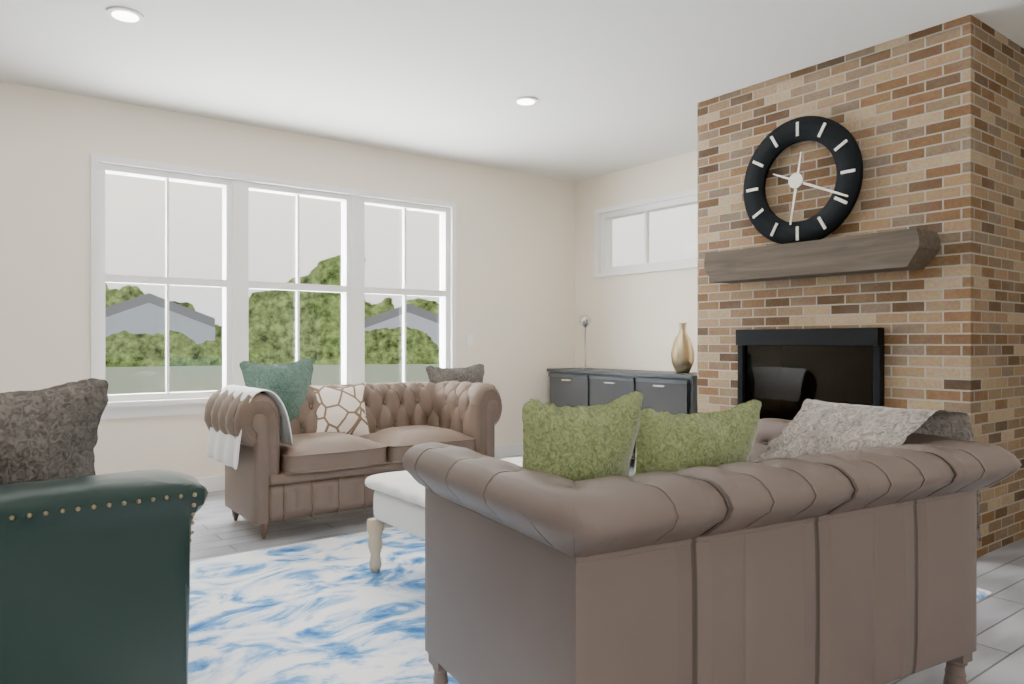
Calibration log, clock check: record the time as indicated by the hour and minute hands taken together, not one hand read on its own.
6:19
